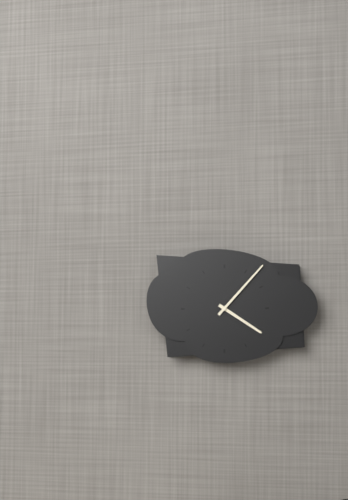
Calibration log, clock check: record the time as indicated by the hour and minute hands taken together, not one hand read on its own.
4:07
